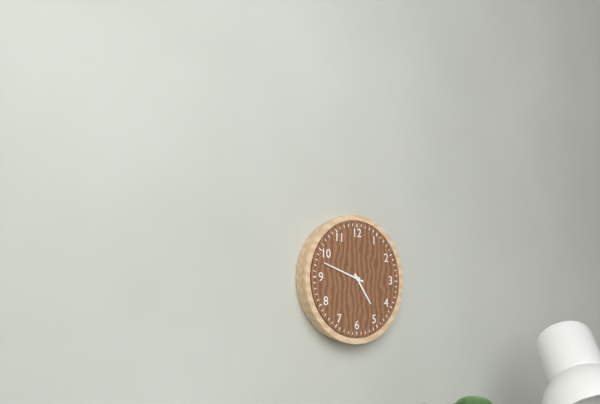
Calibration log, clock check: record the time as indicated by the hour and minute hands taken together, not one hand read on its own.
4:48
